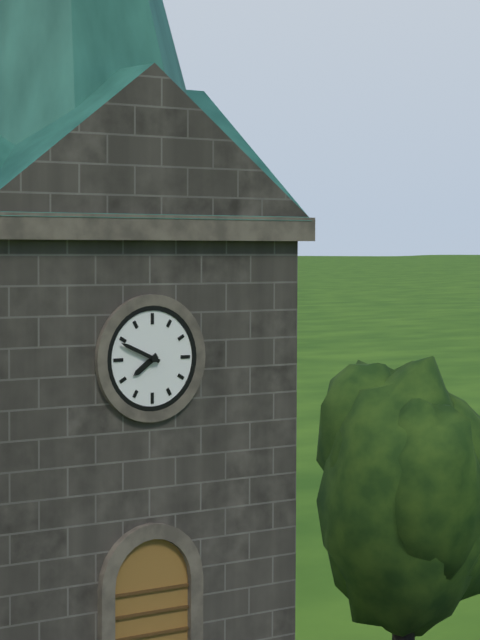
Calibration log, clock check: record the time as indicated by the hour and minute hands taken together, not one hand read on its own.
7:49
